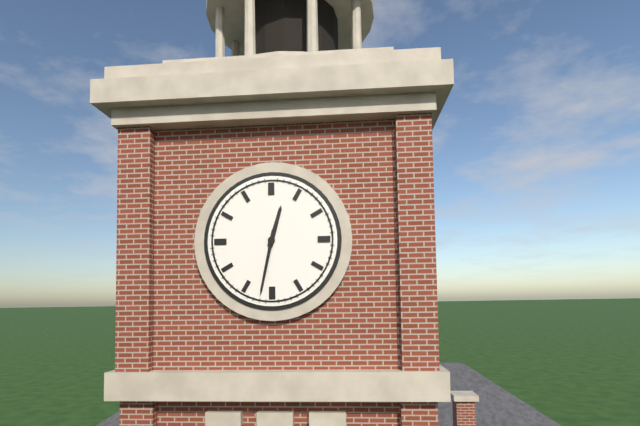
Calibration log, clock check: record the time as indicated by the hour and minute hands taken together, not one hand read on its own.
12:32
